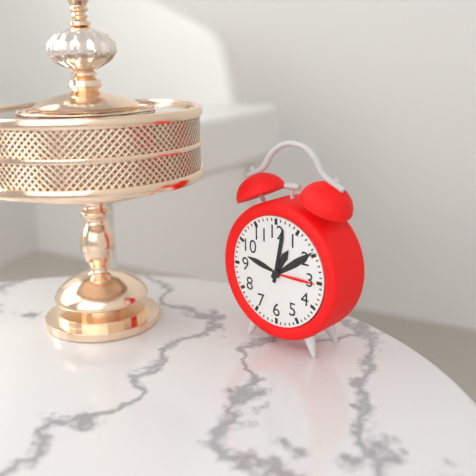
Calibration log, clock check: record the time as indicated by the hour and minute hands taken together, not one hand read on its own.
1:02
